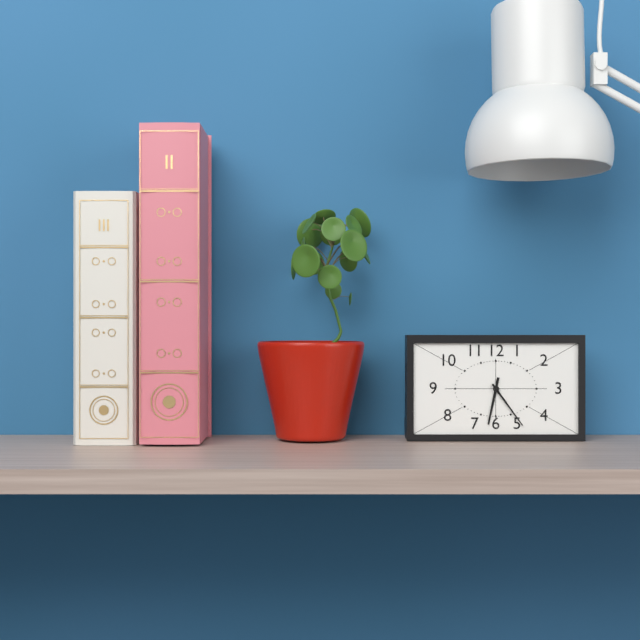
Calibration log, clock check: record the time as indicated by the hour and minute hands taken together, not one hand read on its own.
6:24
